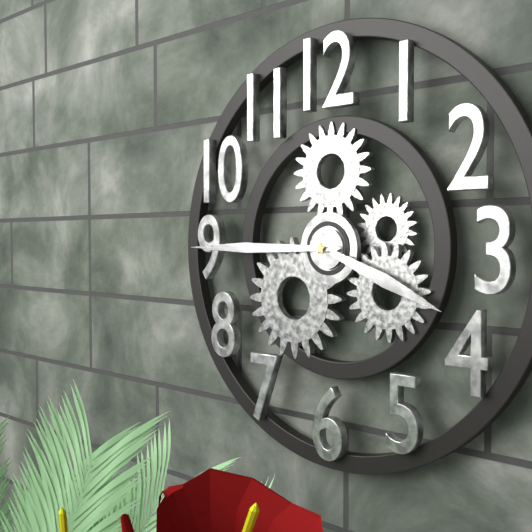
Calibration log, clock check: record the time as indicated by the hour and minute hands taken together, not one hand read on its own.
3:45
